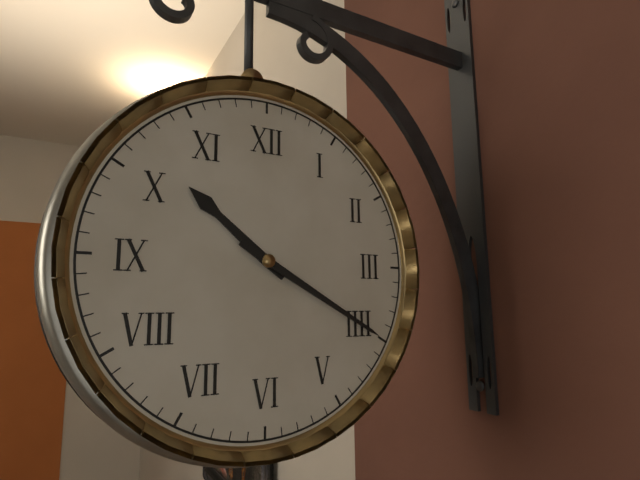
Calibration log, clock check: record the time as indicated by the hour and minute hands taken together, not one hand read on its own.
10:20
